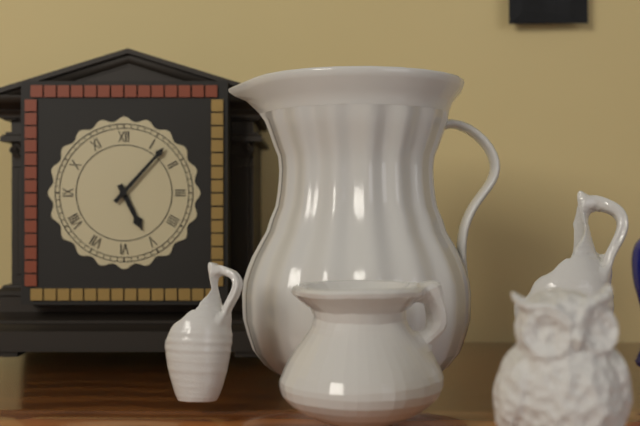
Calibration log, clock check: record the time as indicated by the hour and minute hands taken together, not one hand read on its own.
5:07
